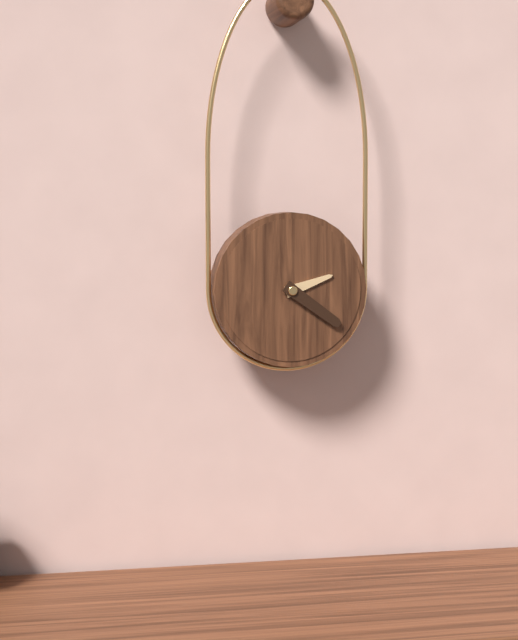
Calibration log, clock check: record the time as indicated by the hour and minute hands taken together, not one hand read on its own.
2:21
